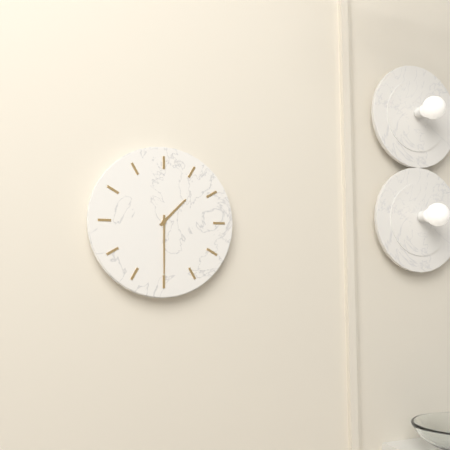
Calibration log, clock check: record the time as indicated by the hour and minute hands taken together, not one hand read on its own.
1:30
